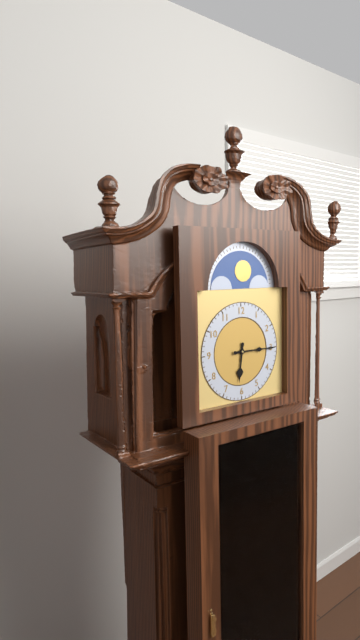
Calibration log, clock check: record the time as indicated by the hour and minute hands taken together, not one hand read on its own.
6:15
